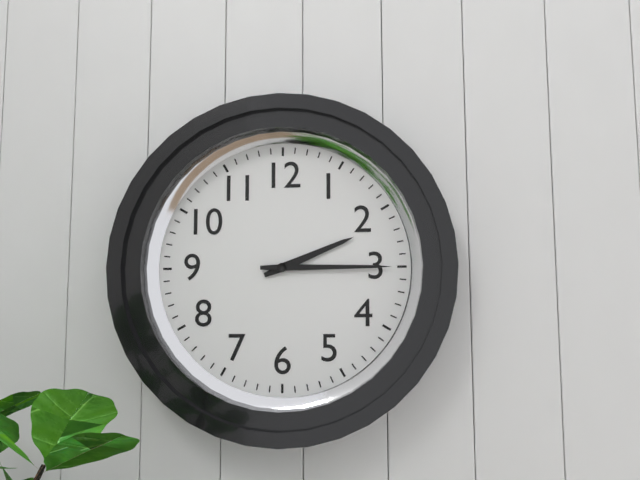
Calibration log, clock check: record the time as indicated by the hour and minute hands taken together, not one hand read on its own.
2:15
